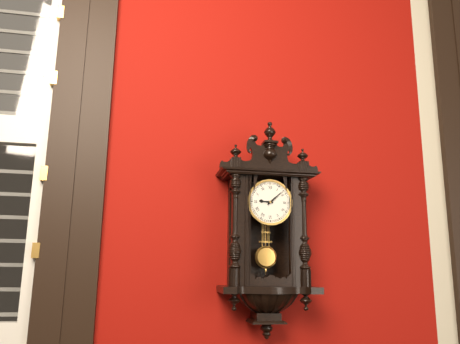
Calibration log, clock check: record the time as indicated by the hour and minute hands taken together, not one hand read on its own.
9:08
